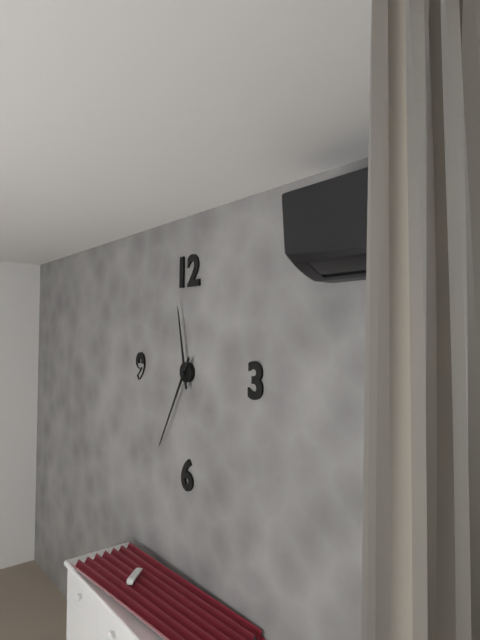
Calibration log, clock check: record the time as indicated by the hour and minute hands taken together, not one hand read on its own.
11:35
